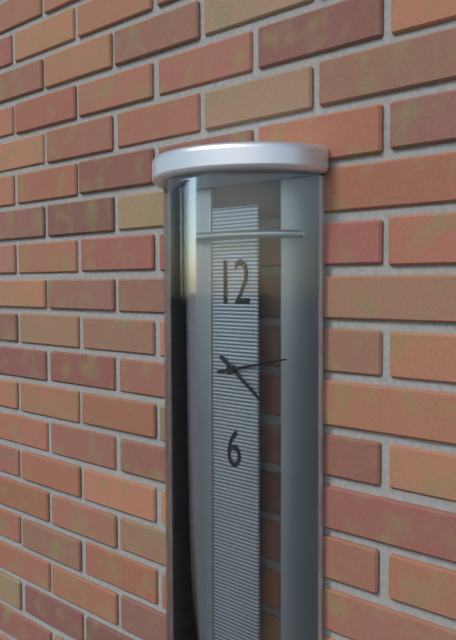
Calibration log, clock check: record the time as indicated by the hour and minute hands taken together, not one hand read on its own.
4:13
